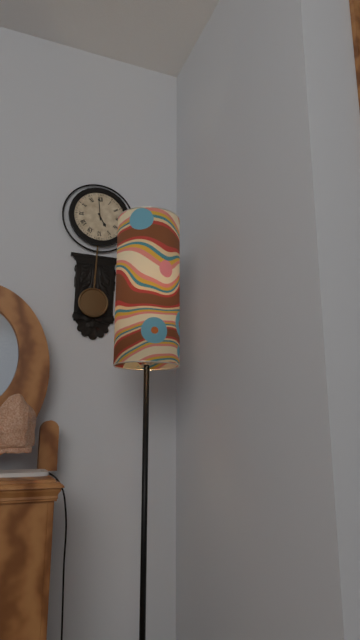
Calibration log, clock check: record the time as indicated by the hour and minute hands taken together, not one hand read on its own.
4:59
